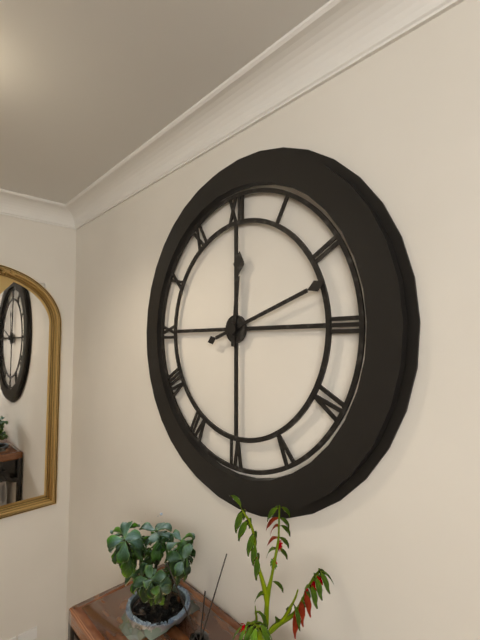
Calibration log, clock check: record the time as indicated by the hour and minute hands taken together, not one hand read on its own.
12:12
